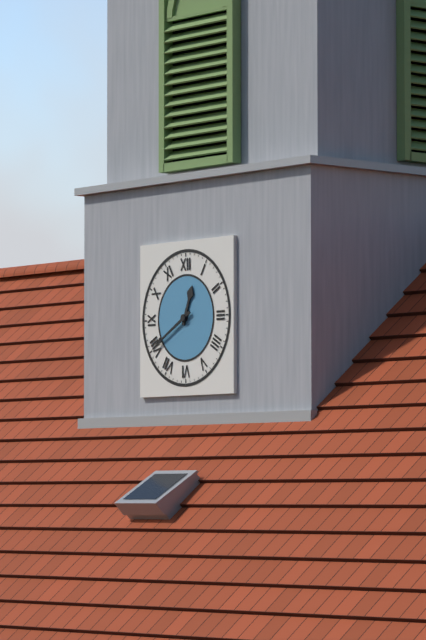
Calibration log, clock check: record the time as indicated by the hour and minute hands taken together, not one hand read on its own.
12:40
